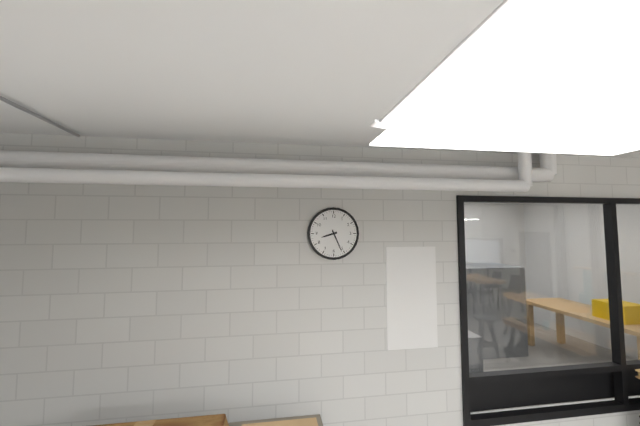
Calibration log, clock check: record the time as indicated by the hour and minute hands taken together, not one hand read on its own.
8:26
